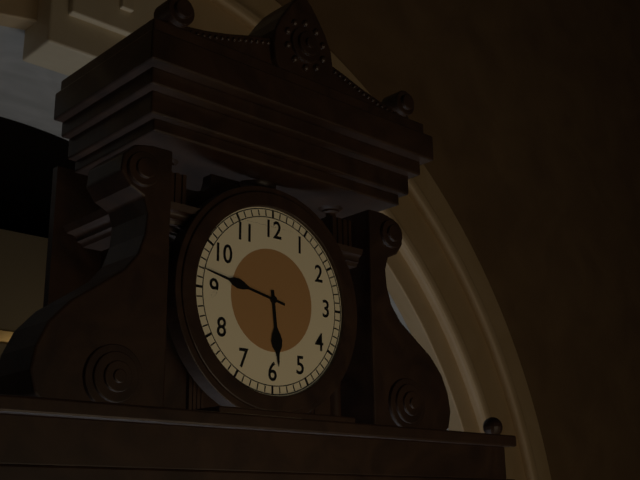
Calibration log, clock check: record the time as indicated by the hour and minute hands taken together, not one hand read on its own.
5:47
